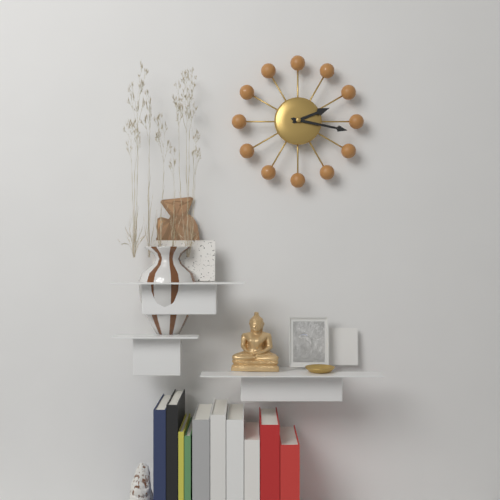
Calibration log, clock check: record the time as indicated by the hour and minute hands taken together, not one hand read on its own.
2:17
